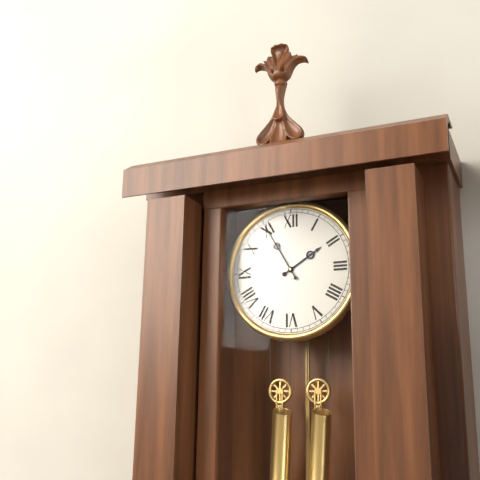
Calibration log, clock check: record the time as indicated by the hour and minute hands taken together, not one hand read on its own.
1:55
